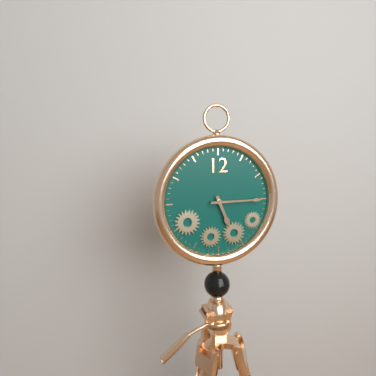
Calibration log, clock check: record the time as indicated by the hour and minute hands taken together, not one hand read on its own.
5:15
